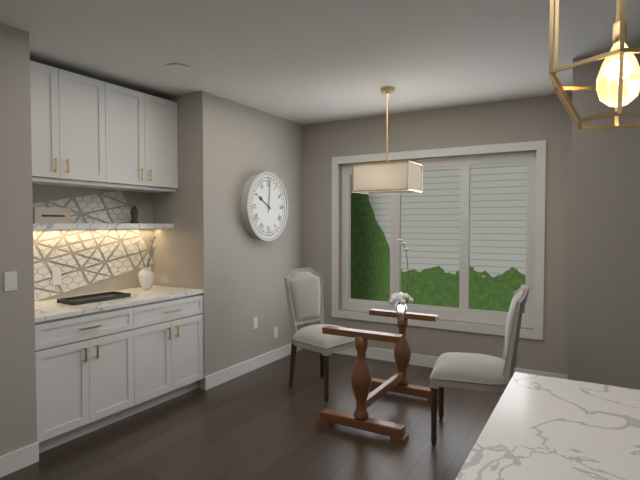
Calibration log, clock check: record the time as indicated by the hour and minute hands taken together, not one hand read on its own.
10:01
